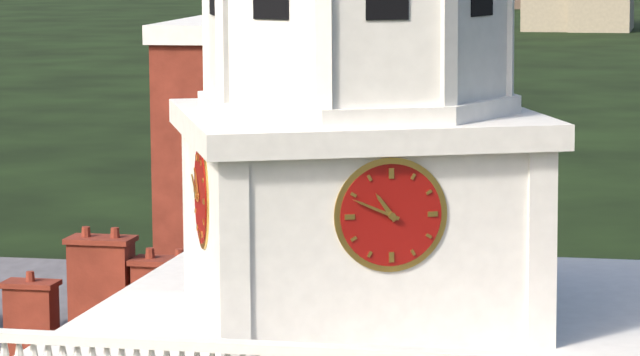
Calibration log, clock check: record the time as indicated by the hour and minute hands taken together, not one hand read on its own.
10:49
